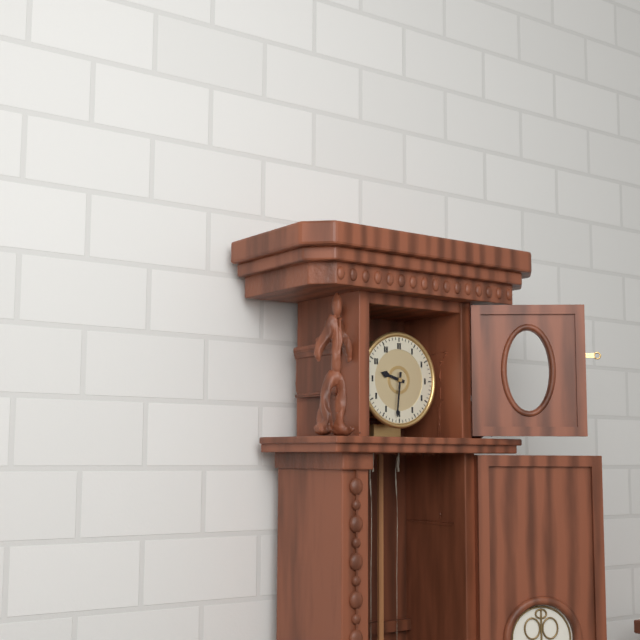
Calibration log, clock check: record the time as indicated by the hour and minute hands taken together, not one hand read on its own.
9:31
